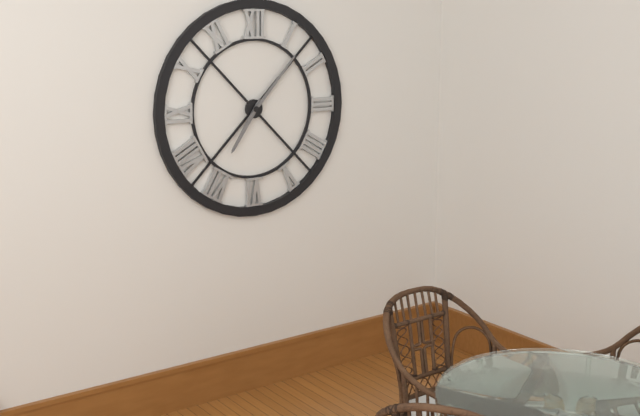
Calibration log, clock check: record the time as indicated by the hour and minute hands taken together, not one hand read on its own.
7:07
